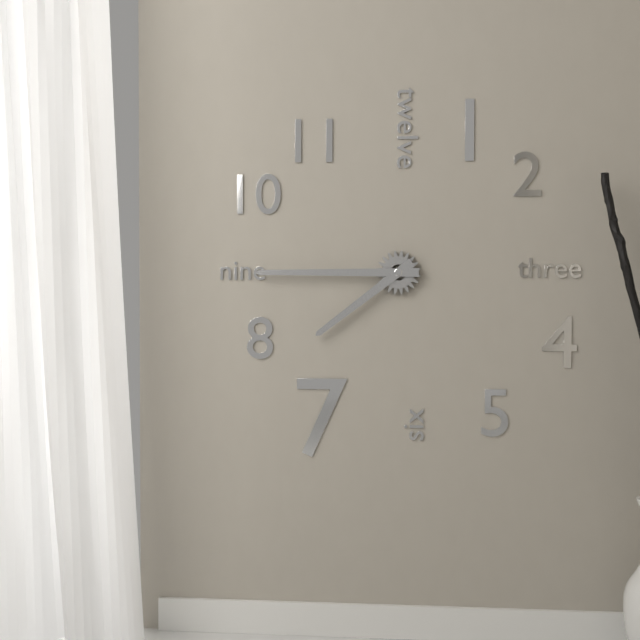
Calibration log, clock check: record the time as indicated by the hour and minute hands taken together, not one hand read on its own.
7:45
